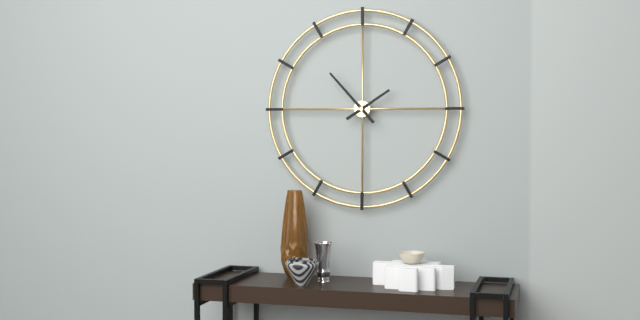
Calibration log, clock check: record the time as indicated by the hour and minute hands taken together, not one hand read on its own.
1:53
